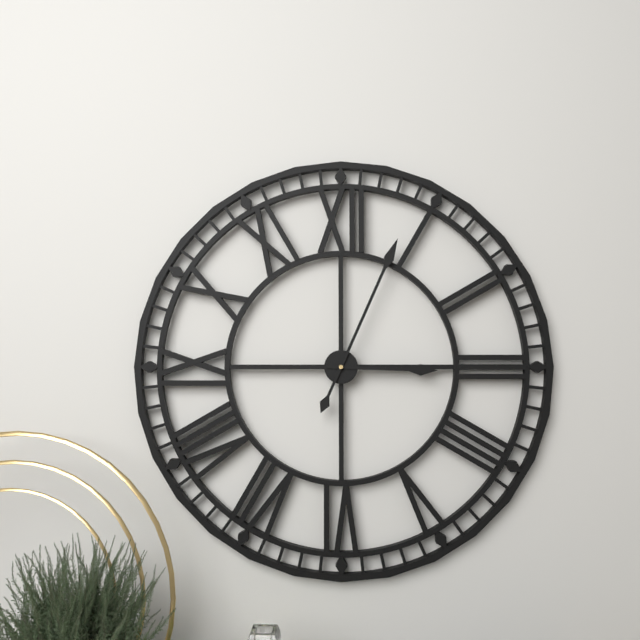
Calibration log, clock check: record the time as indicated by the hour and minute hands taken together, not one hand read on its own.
3:04
